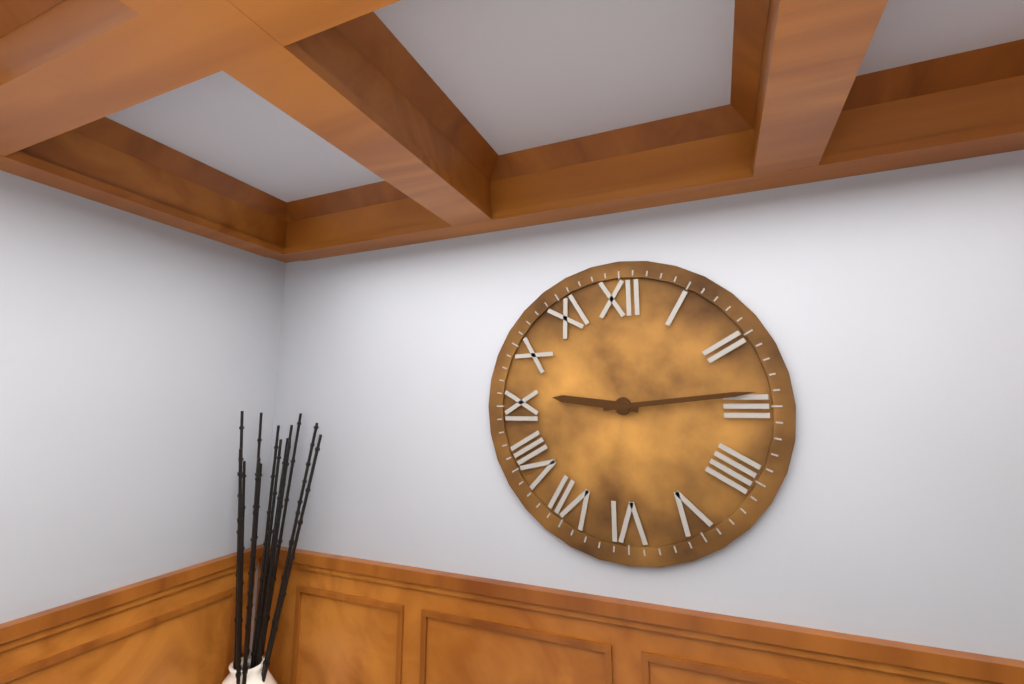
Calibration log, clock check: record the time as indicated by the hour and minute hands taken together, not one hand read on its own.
9:14
